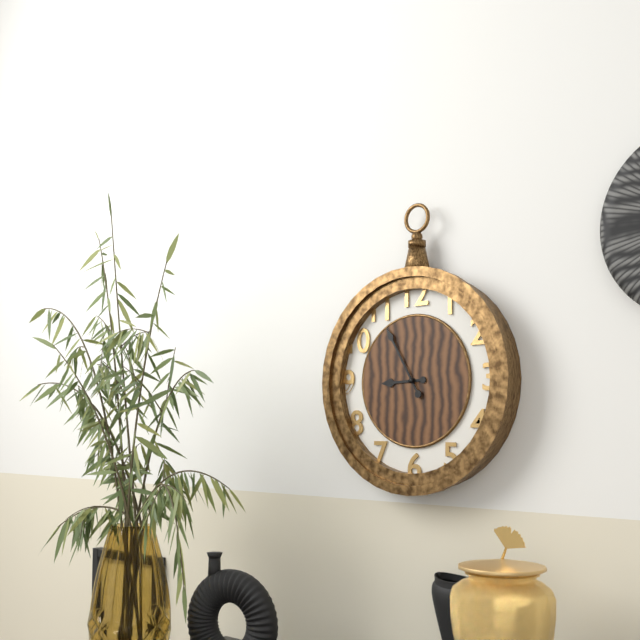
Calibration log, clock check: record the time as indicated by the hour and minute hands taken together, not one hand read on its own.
8:55
